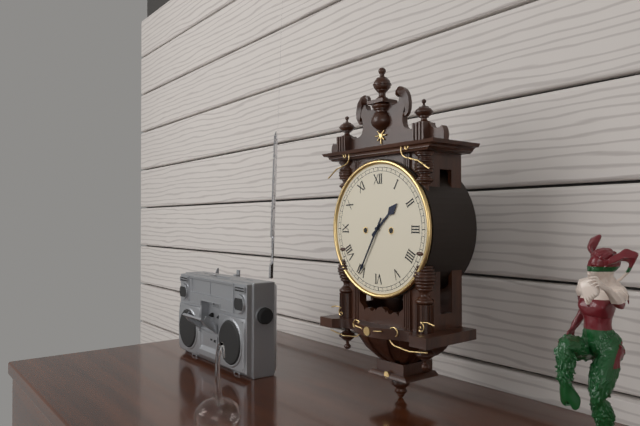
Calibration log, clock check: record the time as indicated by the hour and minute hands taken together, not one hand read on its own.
1:35
